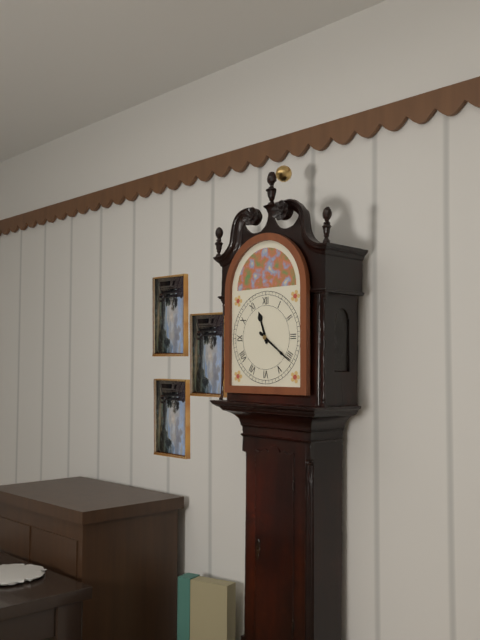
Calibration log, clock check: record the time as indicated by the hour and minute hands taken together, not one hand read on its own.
11:21
